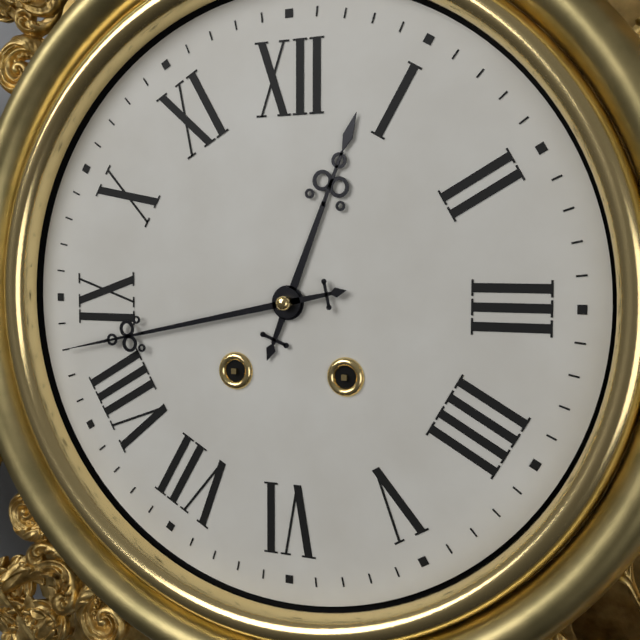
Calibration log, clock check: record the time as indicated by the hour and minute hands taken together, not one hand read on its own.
12:43
